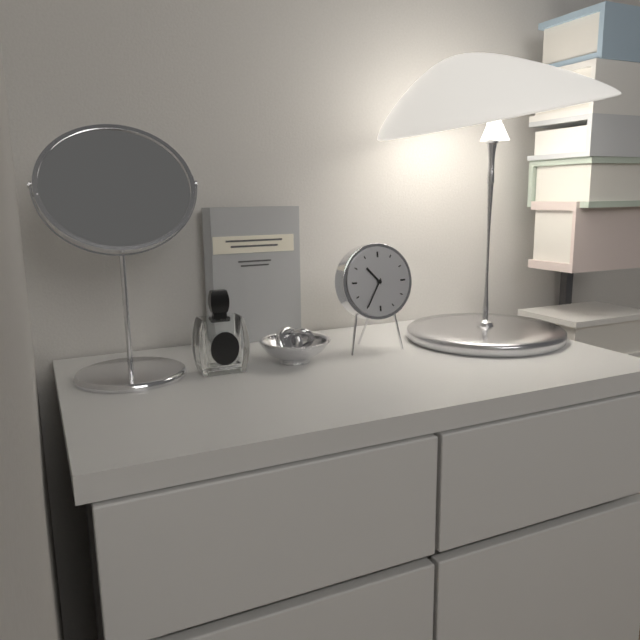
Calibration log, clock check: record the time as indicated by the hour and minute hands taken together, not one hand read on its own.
10:35
